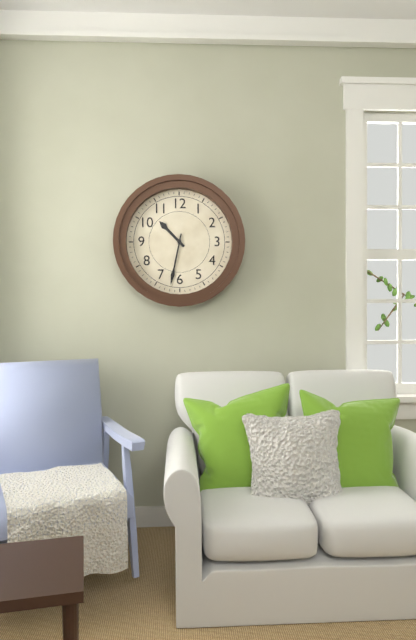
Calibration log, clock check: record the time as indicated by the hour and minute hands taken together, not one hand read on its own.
10:32
